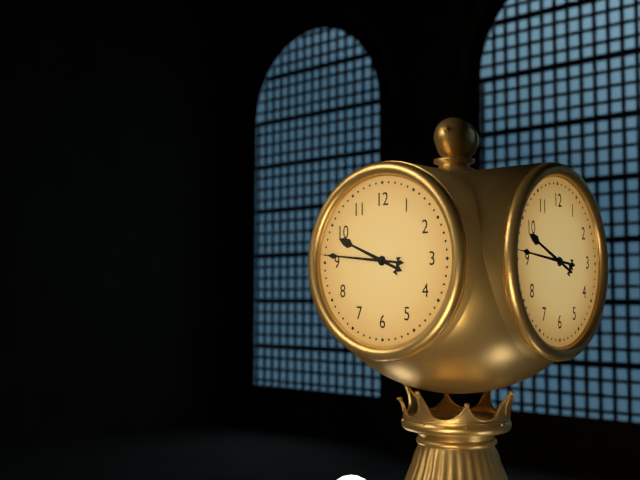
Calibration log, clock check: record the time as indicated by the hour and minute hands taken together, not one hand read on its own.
9:46
